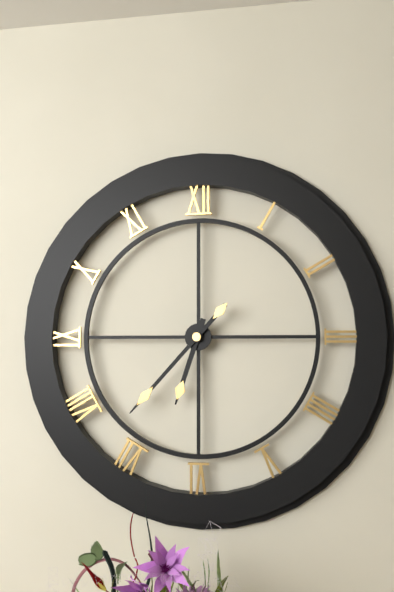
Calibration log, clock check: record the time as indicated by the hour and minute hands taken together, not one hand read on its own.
6:37
